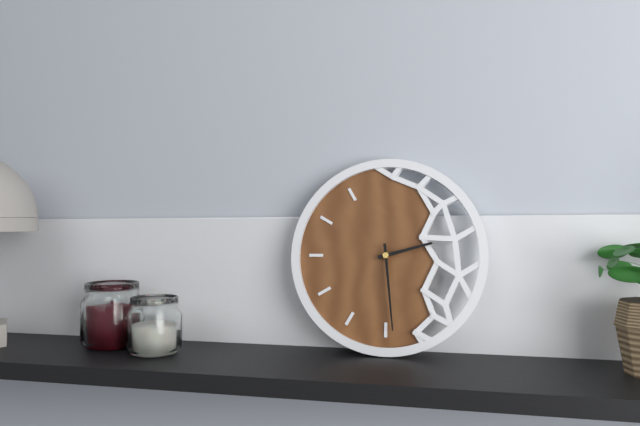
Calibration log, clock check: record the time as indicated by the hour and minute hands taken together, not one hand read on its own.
2:29
